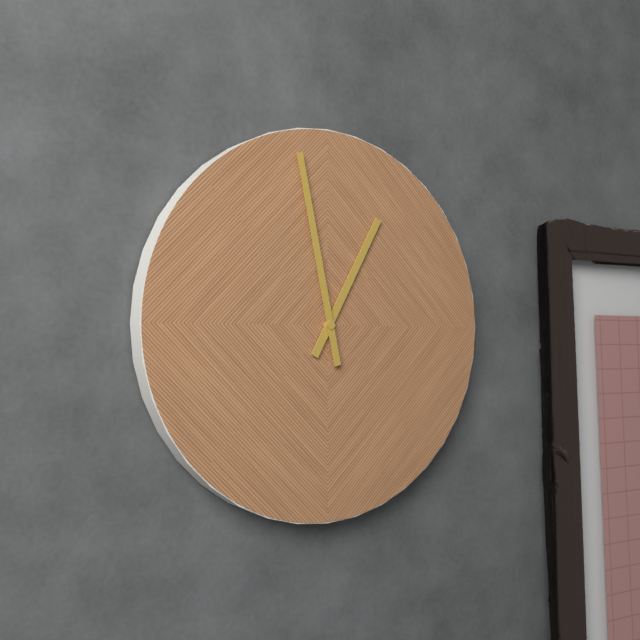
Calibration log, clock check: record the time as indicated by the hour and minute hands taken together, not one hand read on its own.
12:58
